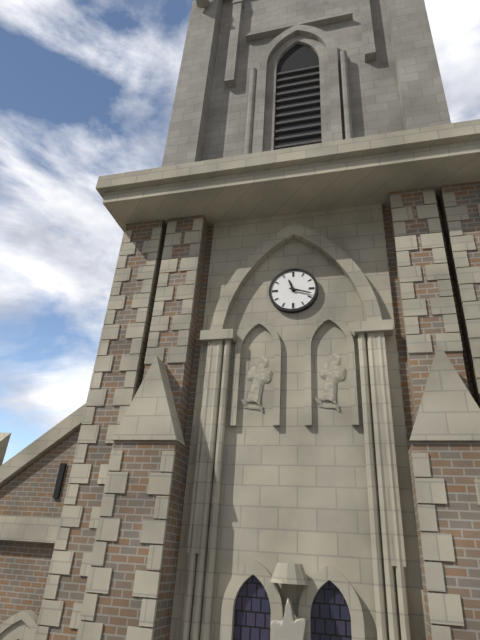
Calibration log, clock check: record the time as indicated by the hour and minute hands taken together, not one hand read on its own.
11:18
